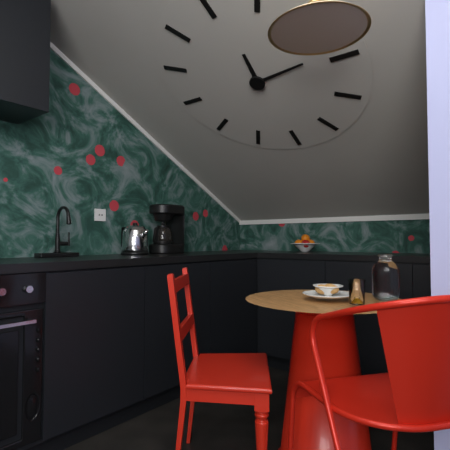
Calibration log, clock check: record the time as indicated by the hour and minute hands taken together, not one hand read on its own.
12:14
